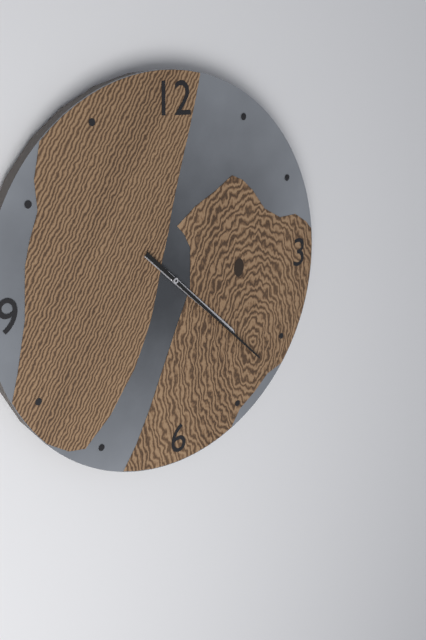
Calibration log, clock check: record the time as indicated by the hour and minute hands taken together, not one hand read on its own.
4:22
